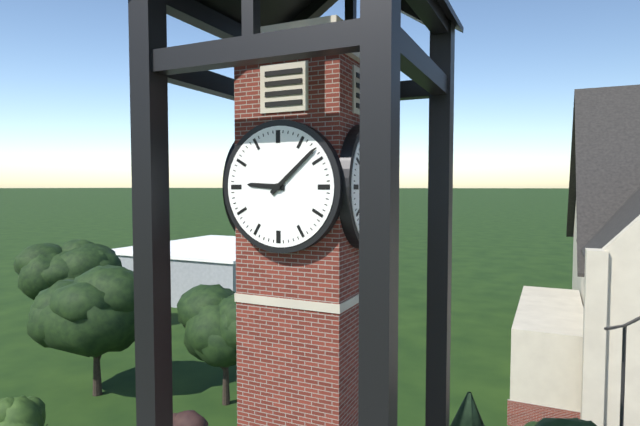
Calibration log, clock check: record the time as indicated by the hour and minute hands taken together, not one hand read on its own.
9:08
